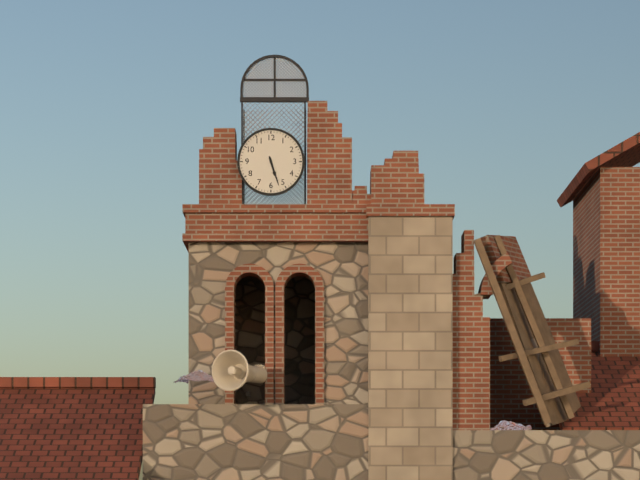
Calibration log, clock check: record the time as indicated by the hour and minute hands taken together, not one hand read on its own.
5:27
